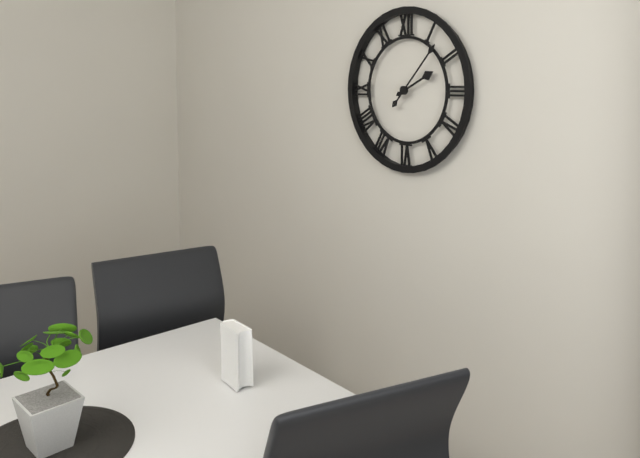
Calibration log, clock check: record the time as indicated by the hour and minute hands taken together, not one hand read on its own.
2:07
